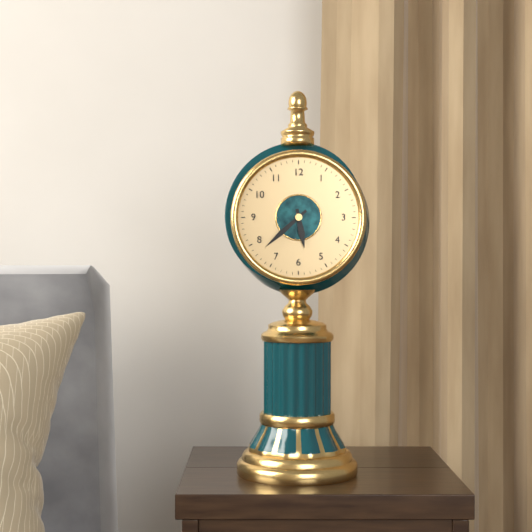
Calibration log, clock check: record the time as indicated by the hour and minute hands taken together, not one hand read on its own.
5:38
